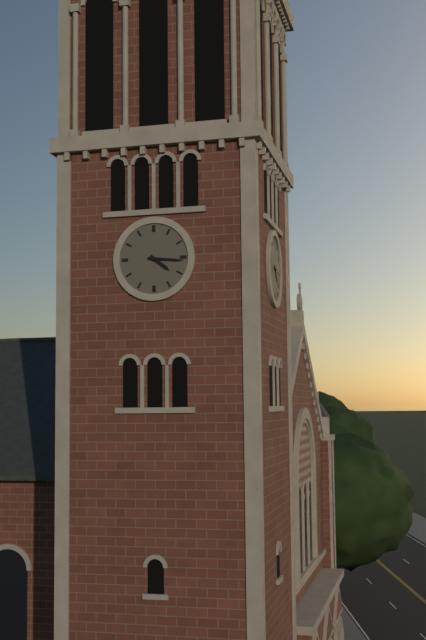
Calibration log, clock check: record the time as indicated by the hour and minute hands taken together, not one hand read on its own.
4:16
